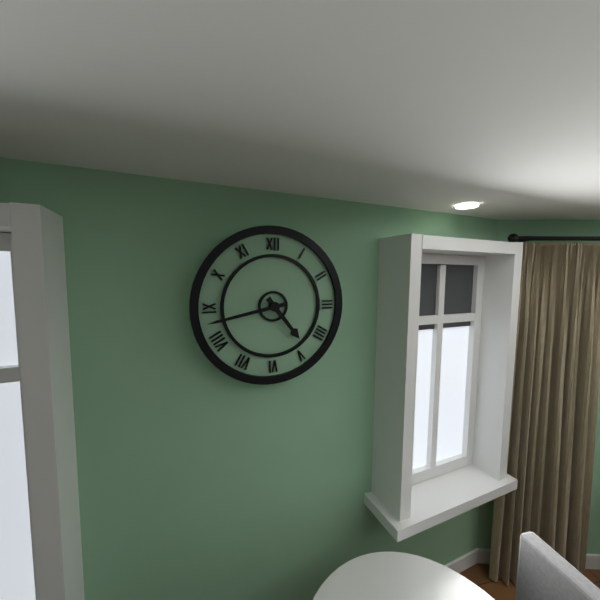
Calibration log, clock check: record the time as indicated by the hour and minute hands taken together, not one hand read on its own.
4:43
